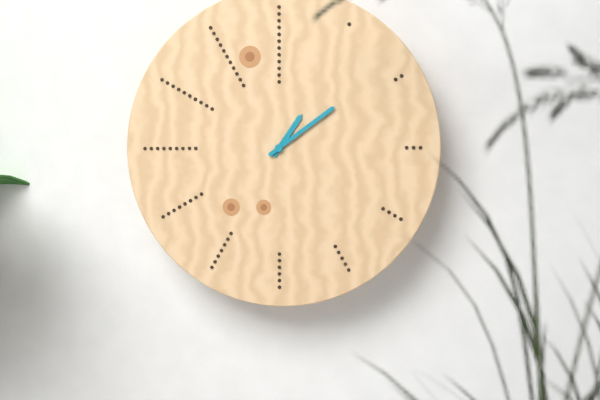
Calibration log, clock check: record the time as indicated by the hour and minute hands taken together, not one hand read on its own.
1:09
